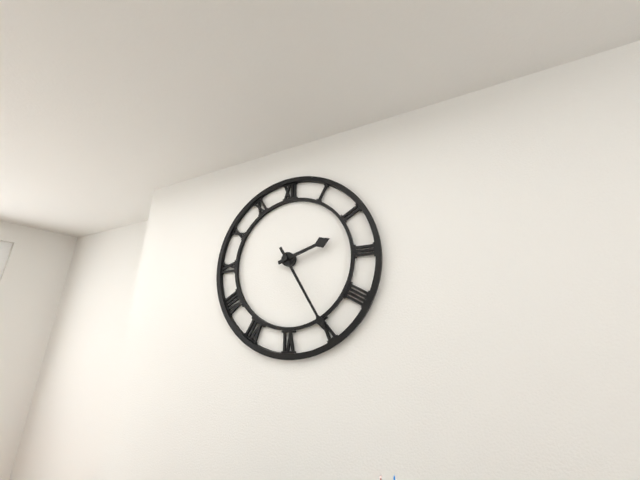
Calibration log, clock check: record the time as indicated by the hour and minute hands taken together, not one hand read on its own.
2:25
